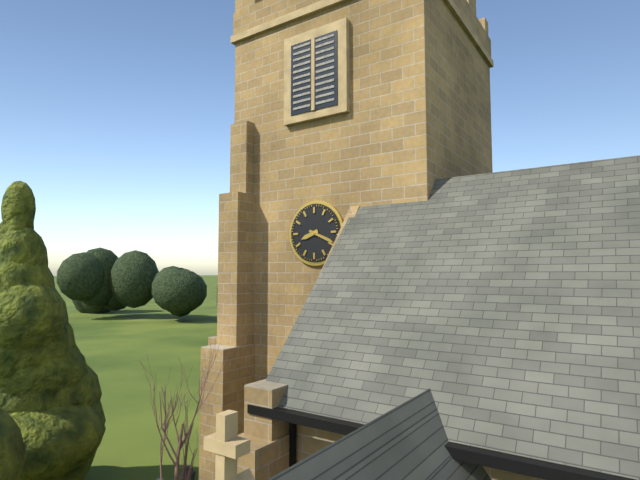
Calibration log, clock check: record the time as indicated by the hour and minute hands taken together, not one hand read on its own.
8:19
